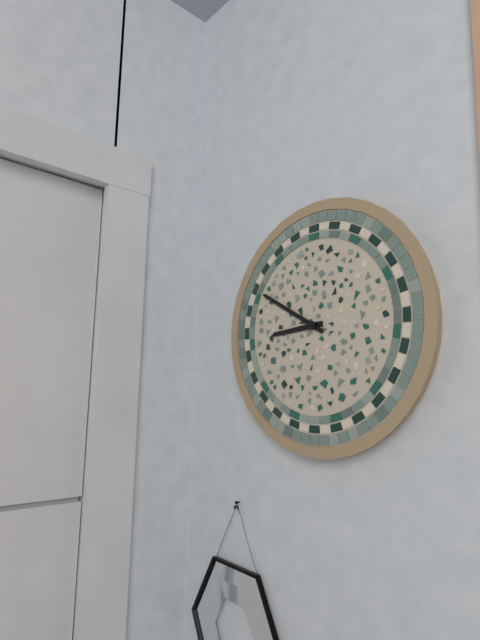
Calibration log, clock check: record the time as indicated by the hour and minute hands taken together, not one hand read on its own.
8:50
